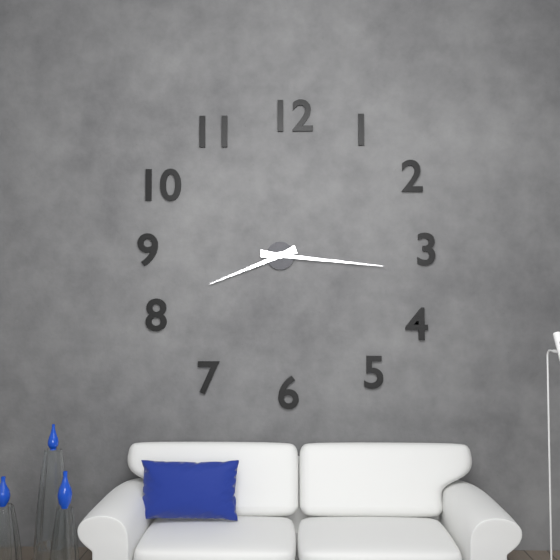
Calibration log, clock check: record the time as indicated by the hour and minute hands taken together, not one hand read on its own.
8:16
